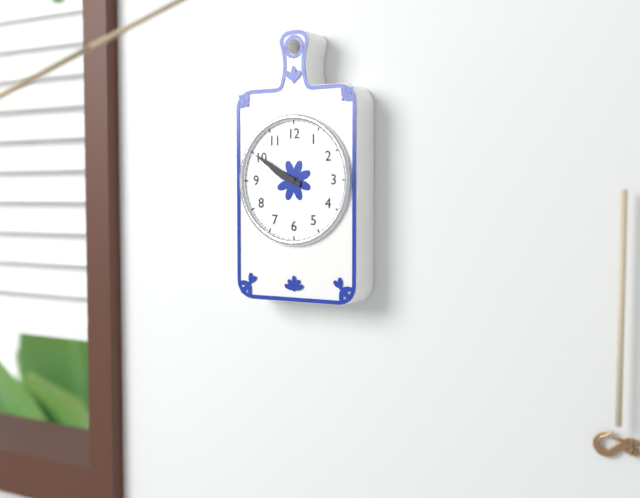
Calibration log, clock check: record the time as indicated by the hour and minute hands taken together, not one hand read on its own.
9:50
